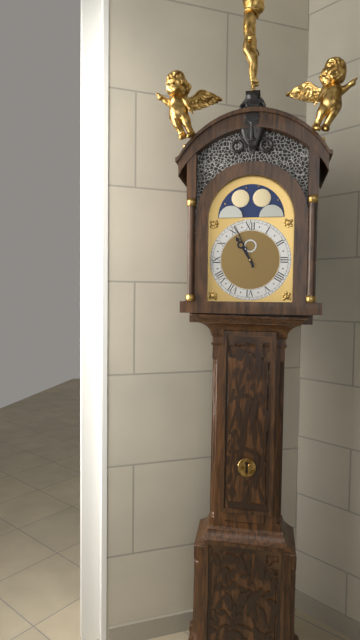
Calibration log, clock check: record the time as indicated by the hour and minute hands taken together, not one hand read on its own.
10:56
